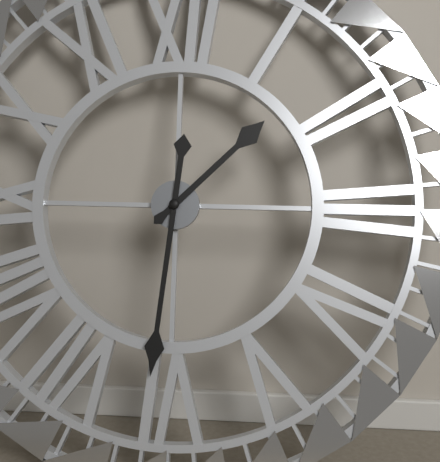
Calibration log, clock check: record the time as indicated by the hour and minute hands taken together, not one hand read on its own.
1:31
